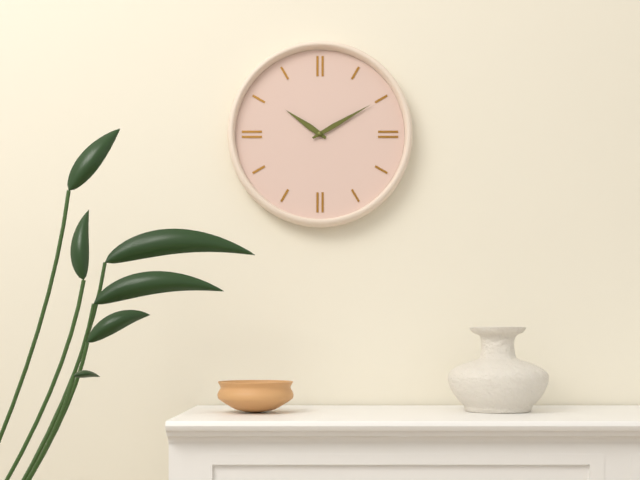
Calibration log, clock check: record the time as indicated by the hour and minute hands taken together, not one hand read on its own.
10:10
